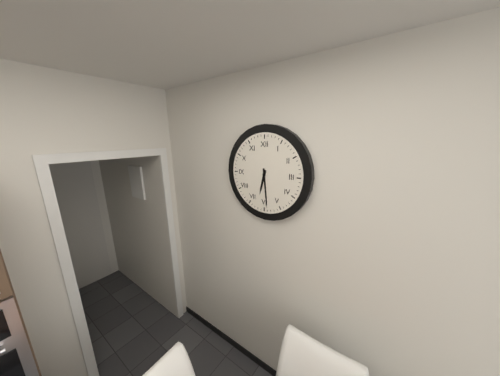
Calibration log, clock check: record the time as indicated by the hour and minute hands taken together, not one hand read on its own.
6:29
